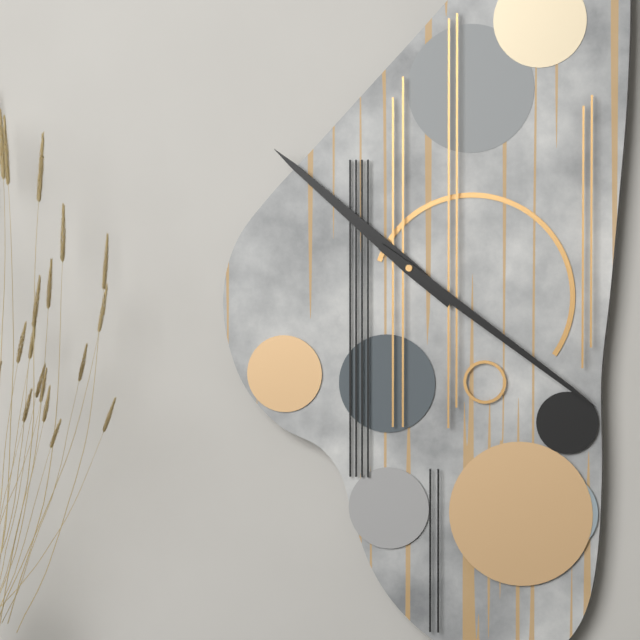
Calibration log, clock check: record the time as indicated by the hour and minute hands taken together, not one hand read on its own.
10:21
